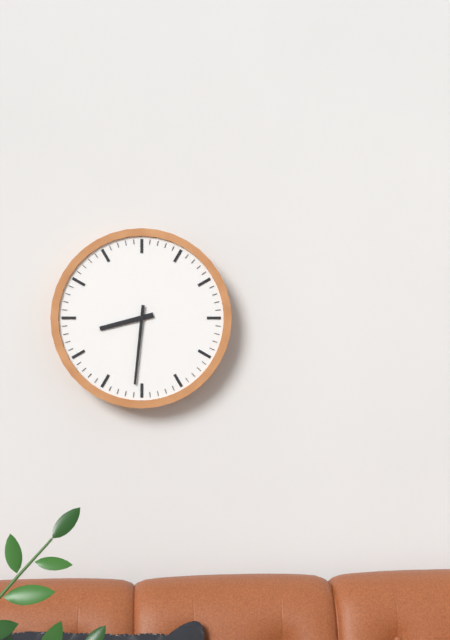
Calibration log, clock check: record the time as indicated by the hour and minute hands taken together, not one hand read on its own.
8:31
